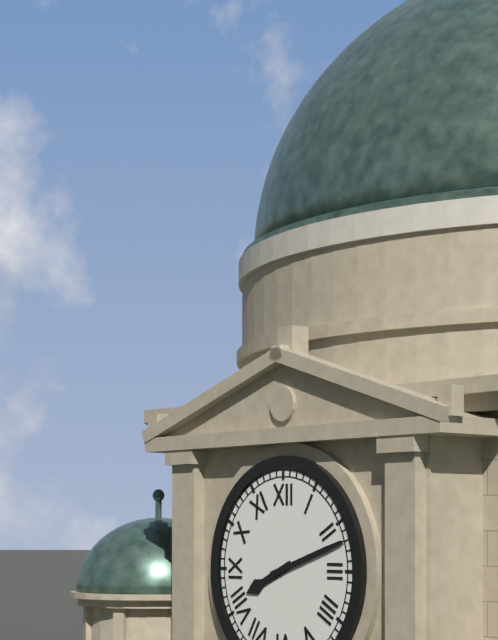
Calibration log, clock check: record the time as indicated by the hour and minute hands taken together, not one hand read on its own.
8:12
